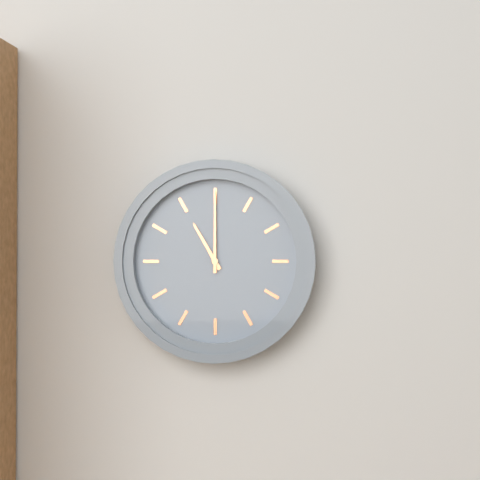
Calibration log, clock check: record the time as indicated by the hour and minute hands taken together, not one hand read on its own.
11:00
